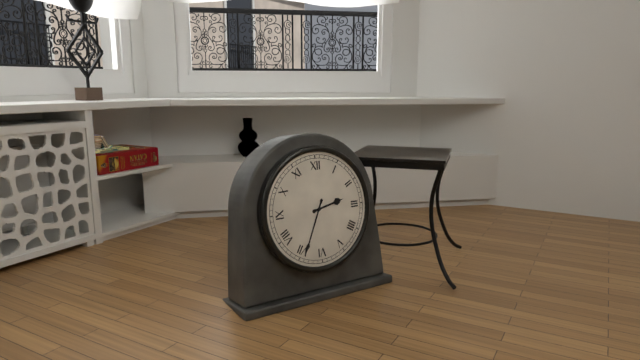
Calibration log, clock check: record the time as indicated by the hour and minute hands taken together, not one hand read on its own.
2:34
